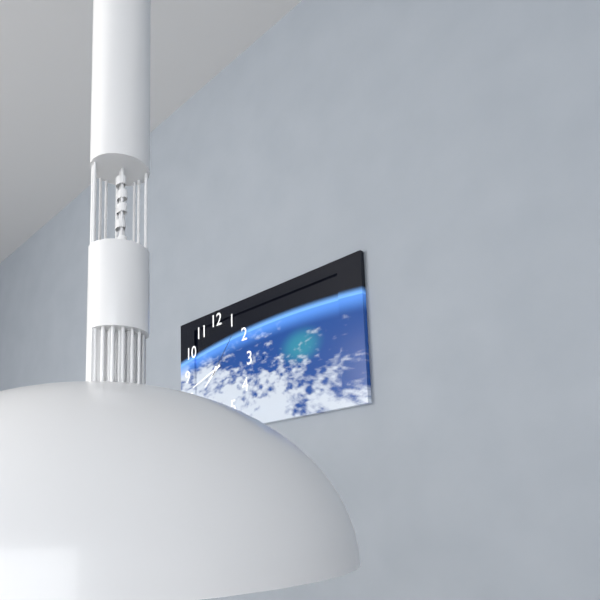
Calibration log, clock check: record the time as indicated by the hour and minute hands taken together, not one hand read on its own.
7:42
